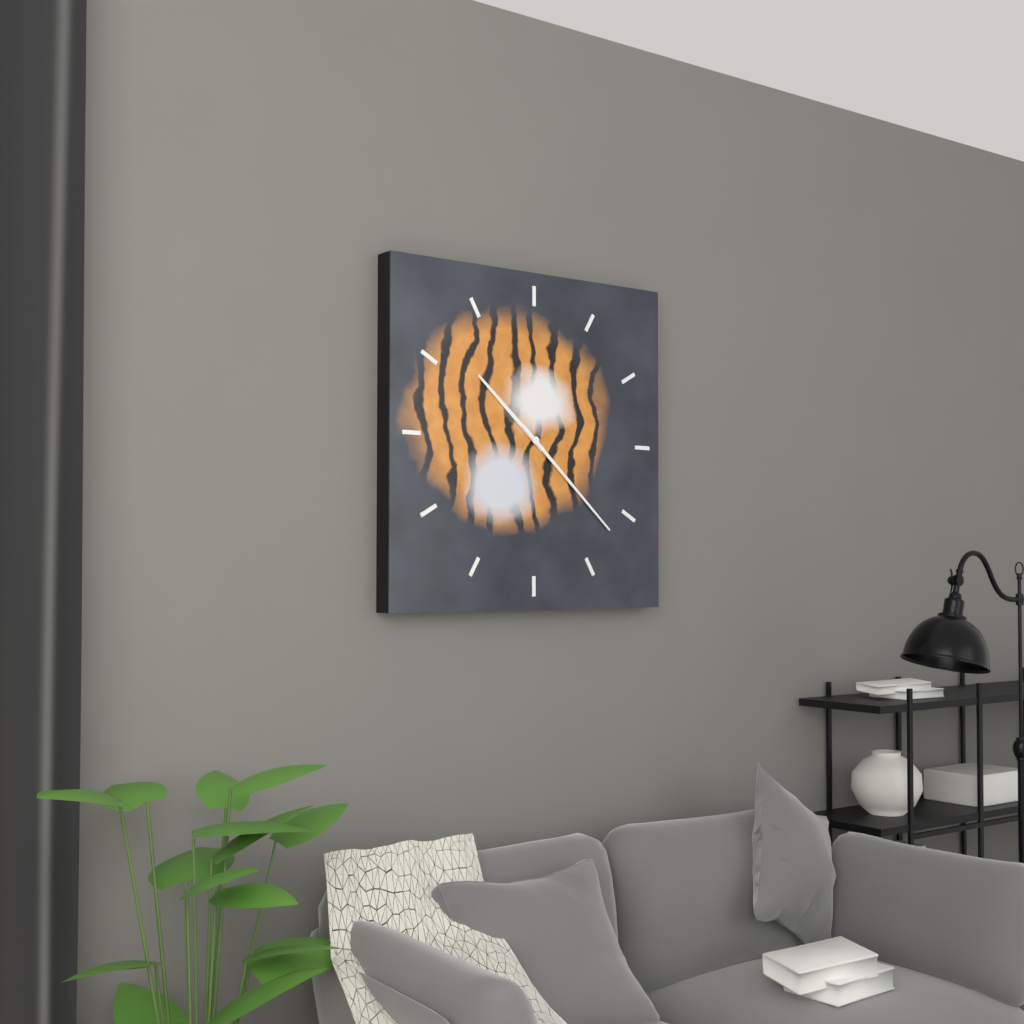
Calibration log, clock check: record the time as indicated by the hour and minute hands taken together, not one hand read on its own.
10:22
